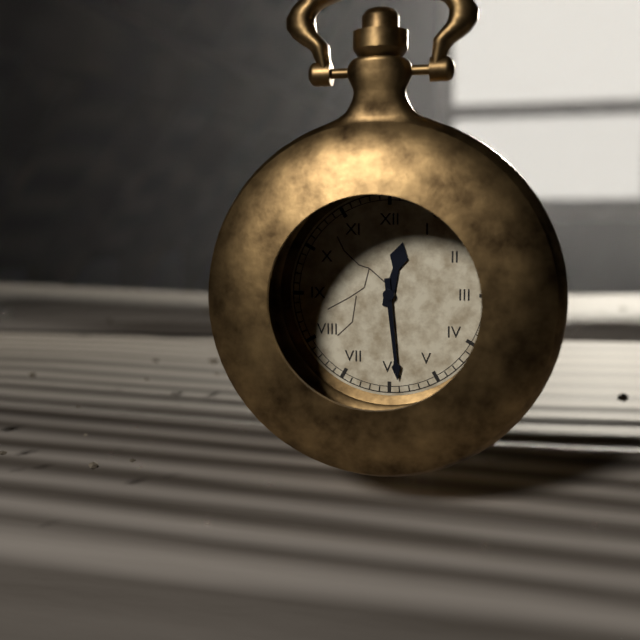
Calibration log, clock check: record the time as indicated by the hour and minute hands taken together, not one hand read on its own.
12:29
